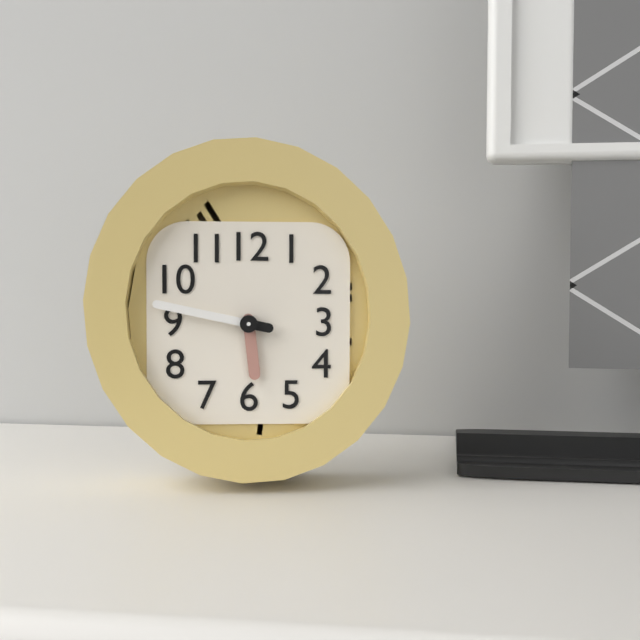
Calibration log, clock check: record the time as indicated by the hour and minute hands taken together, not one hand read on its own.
5:47
